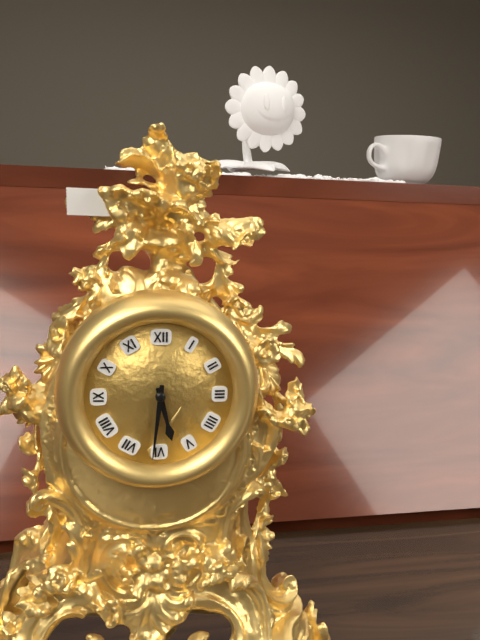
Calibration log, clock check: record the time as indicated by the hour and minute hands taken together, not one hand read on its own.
5:31
